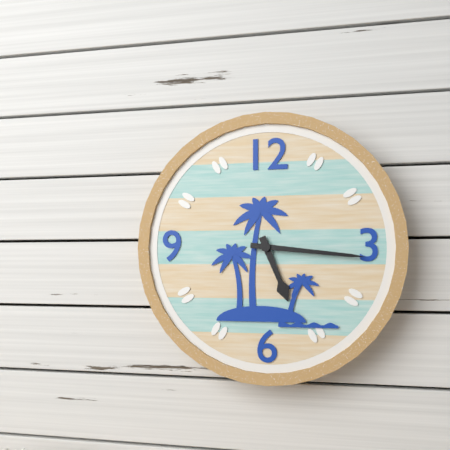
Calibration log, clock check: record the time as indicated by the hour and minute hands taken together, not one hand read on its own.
5:16
